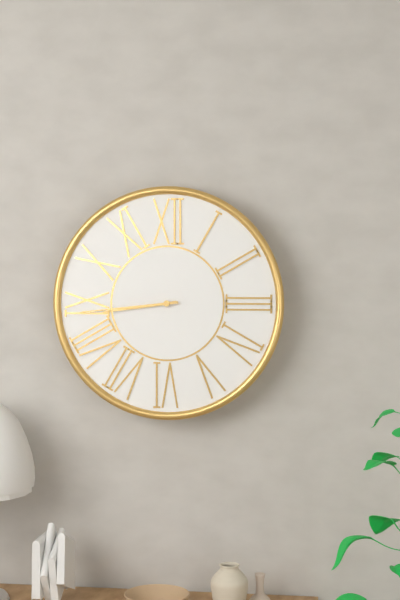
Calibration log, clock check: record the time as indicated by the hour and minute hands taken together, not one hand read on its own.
8:44
